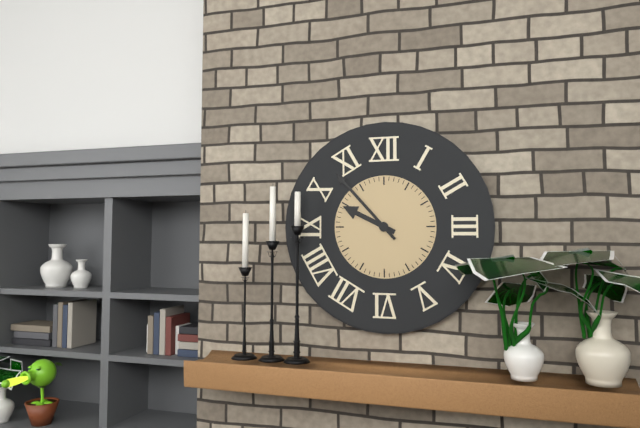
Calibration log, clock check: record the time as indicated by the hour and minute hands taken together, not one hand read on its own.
9:53
